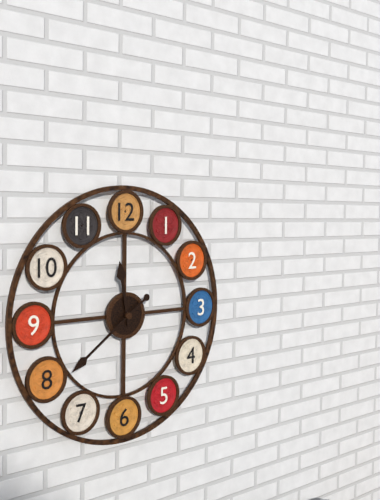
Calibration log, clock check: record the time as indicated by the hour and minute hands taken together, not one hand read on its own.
11:39
